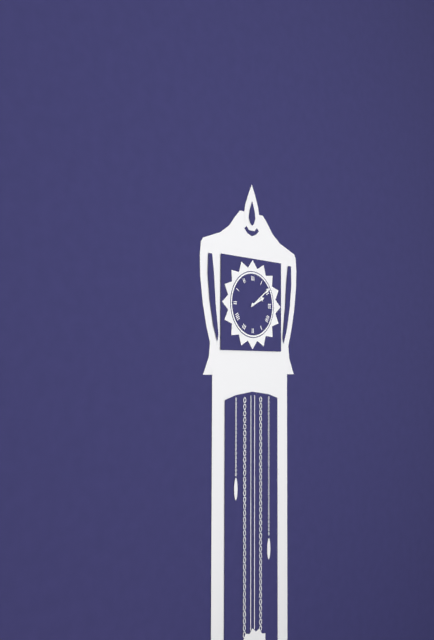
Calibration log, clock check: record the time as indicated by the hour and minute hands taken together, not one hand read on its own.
2:09
